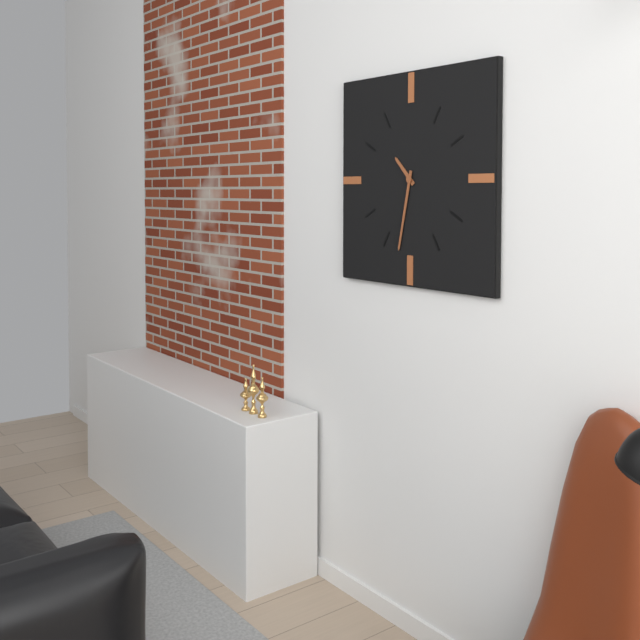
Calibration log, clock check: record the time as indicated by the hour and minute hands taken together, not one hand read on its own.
10:32
